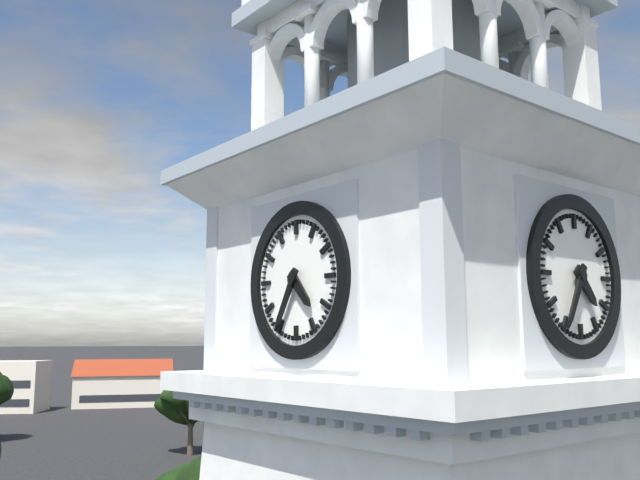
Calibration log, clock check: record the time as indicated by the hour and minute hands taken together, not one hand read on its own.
4:35
